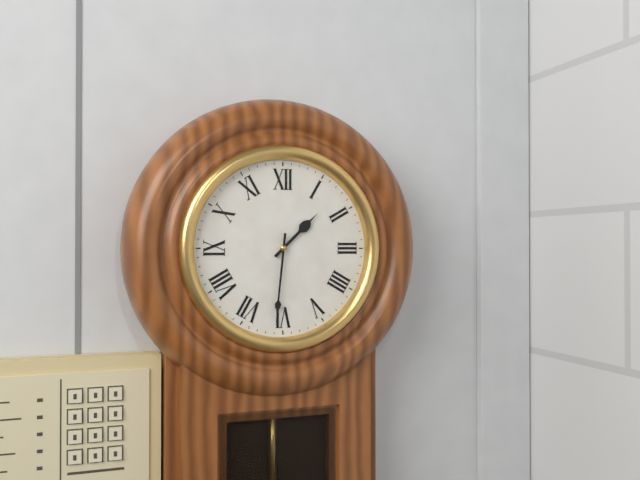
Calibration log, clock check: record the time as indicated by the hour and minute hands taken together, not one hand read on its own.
1:31
